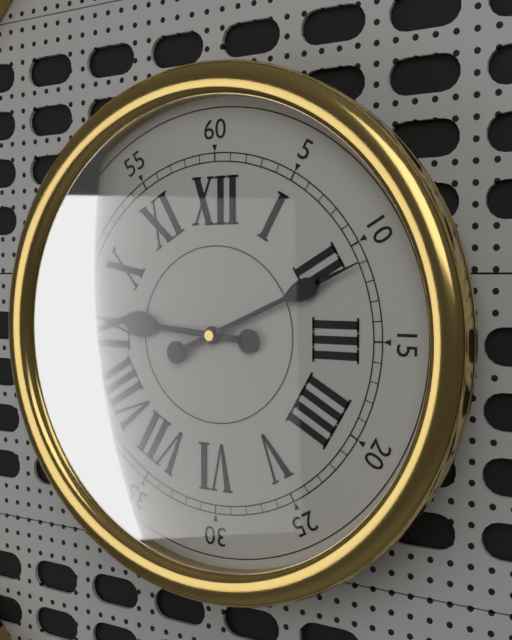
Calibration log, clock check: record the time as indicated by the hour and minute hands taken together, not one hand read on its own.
9:11
